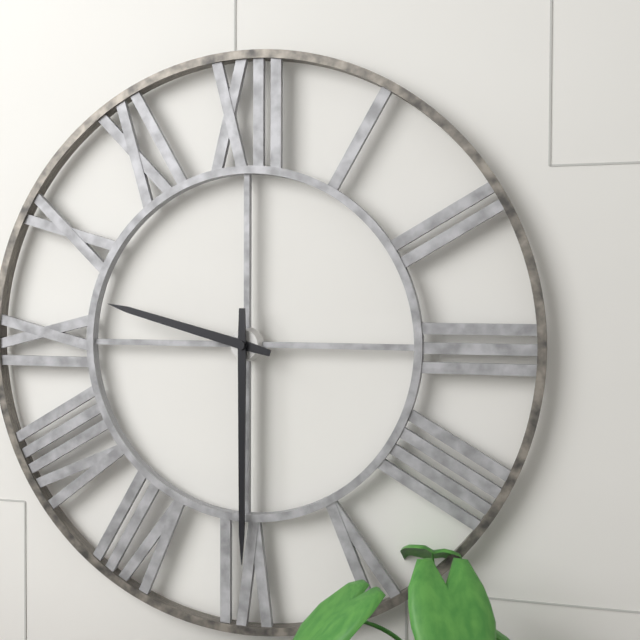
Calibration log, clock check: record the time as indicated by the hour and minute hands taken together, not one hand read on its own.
9:30
